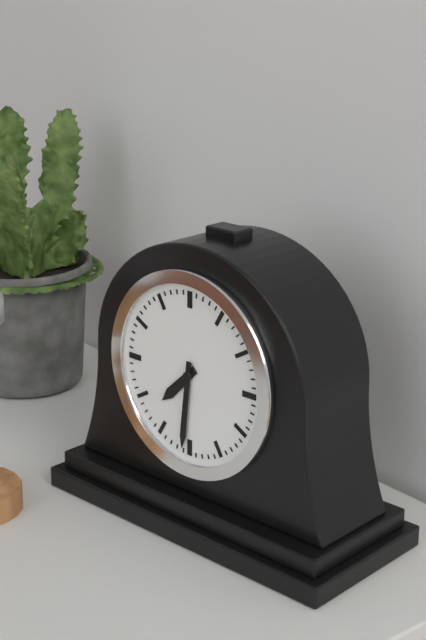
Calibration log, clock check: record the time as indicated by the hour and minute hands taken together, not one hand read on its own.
7:31
